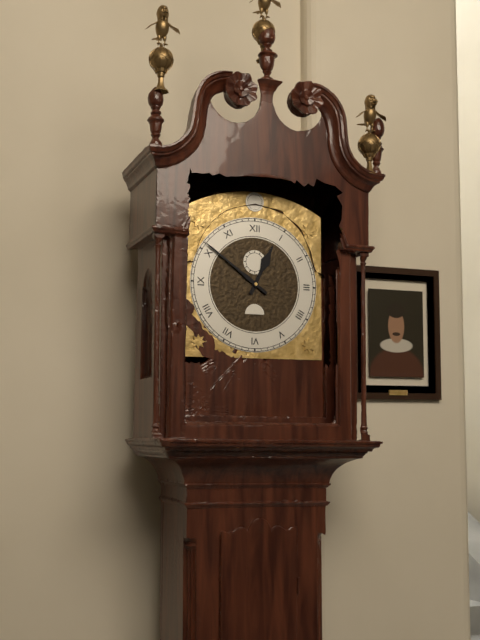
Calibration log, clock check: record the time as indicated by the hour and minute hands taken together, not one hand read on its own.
12:51
